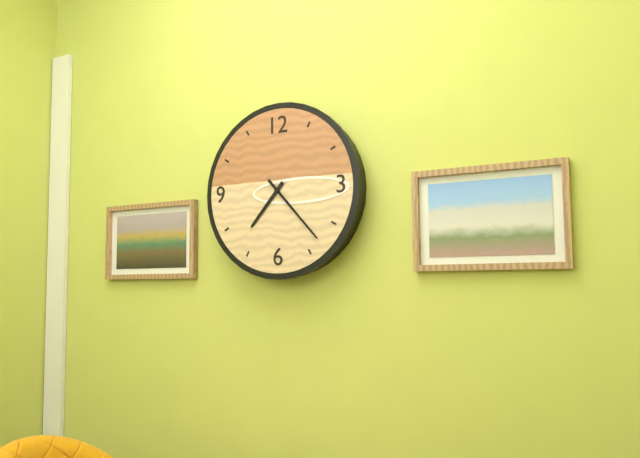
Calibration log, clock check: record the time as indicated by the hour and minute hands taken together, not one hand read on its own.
7:23
